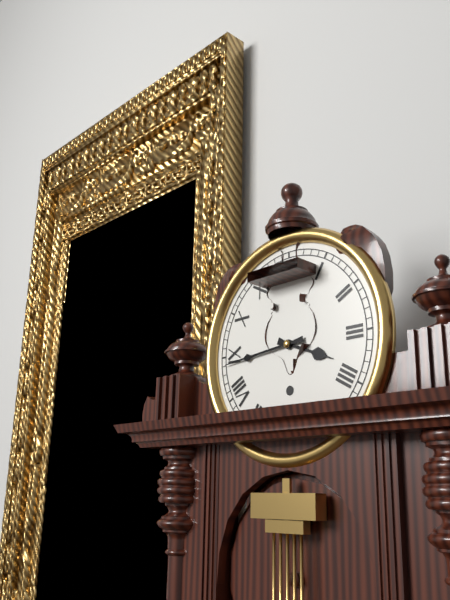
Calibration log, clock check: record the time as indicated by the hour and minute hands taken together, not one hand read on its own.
3:44
